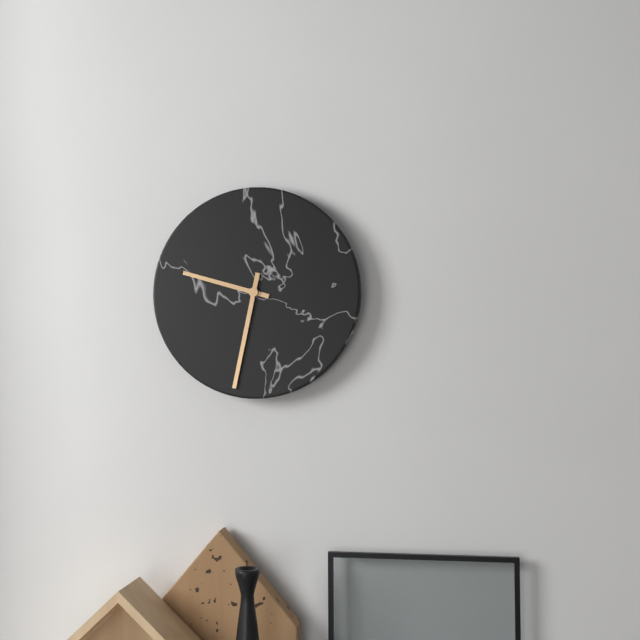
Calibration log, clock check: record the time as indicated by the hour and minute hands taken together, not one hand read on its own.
9:32
